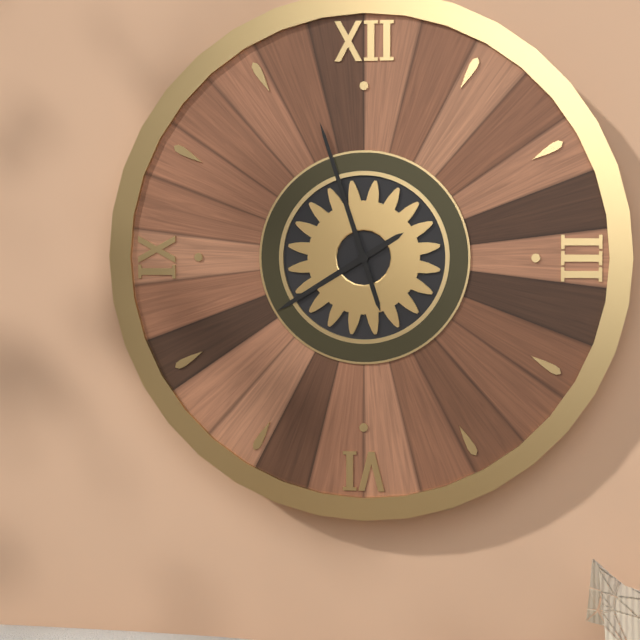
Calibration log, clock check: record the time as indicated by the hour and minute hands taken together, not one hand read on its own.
7:57
